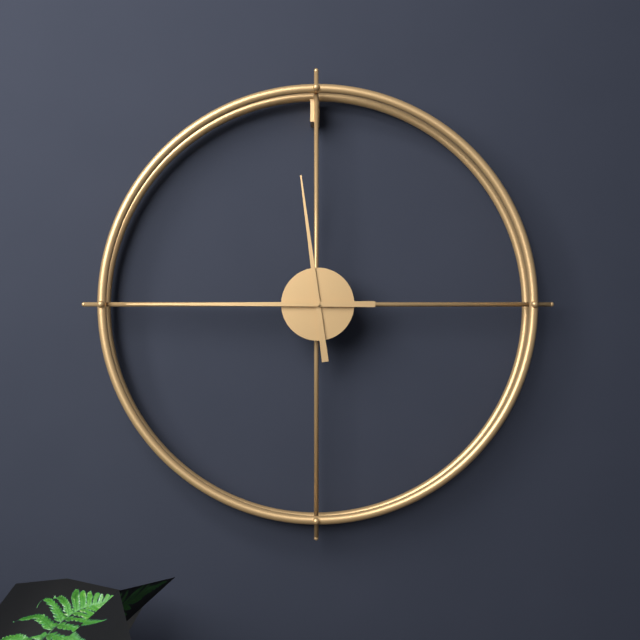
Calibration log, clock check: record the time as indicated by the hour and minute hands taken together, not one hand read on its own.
11:45
